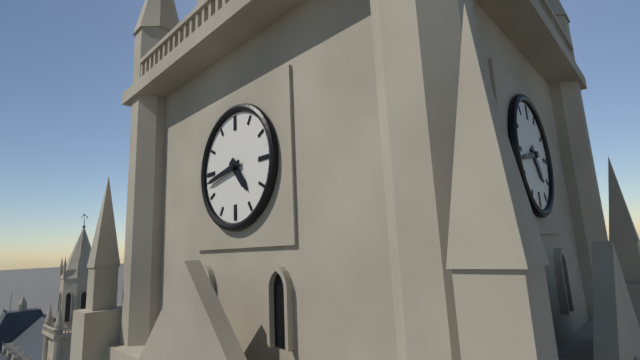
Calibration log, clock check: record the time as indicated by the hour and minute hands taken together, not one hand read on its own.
4:43
